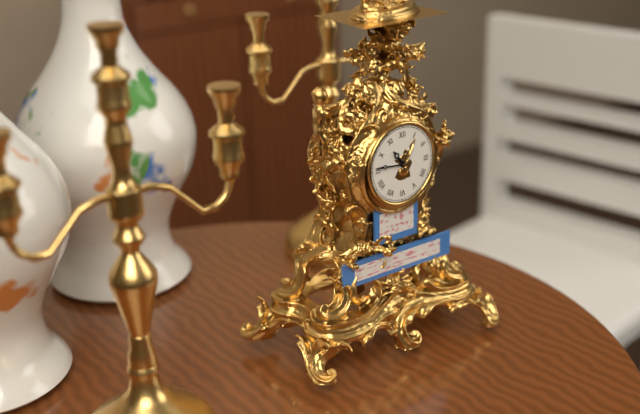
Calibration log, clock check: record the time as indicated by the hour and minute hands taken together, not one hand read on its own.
10:46
